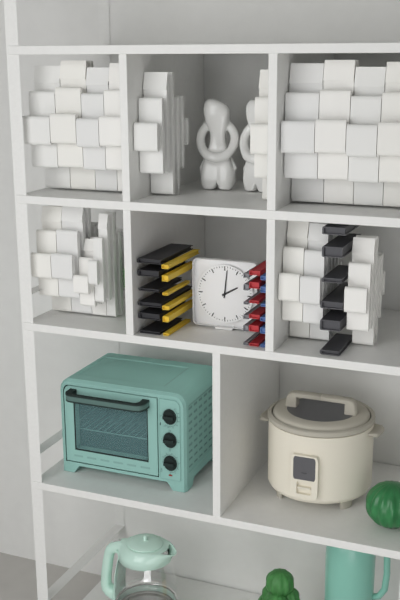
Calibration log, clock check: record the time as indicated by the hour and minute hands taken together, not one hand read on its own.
2:01
